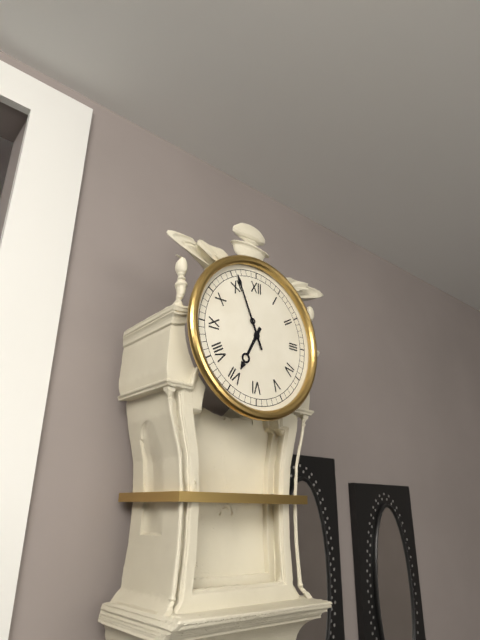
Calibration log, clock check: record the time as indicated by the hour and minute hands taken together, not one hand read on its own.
6:56
